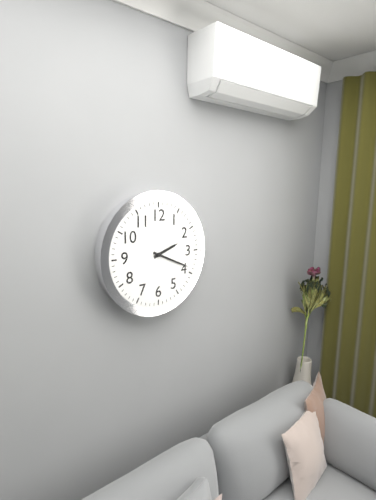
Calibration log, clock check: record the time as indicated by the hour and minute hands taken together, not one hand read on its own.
2:19
